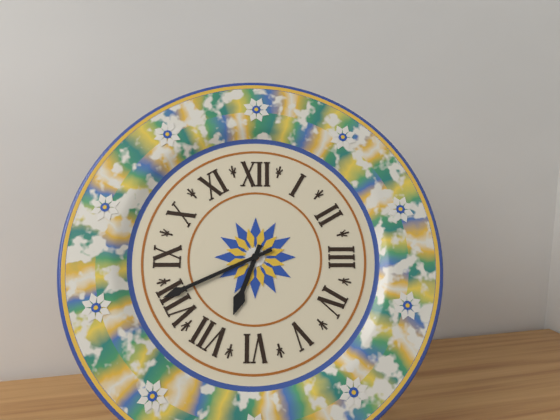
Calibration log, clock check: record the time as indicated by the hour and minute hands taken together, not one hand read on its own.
6:41
